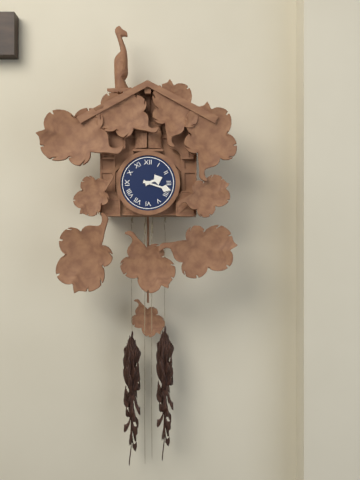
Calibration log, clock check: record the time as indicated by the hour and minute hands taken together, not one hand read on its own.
2:18
